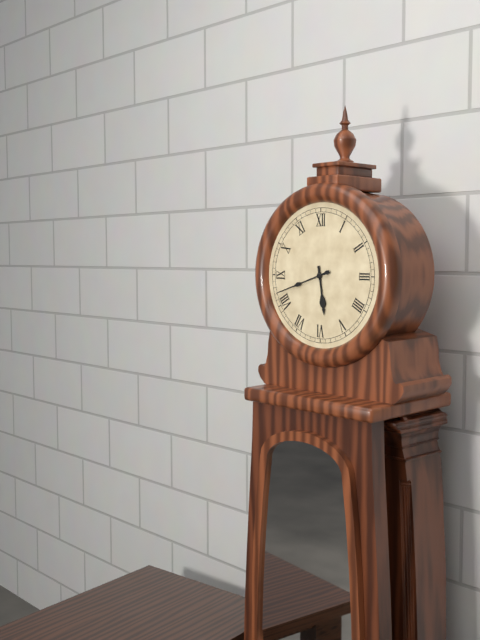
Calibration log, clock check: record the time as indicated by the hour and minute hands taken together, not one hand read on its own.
5:42
